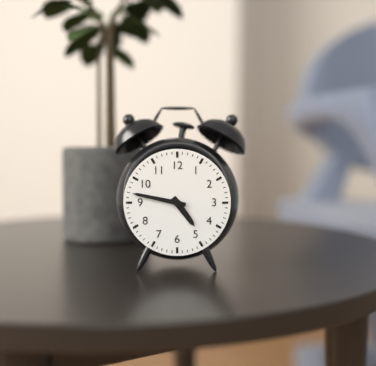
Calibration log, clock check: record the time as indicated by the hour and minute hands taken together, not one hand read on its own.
4:47
